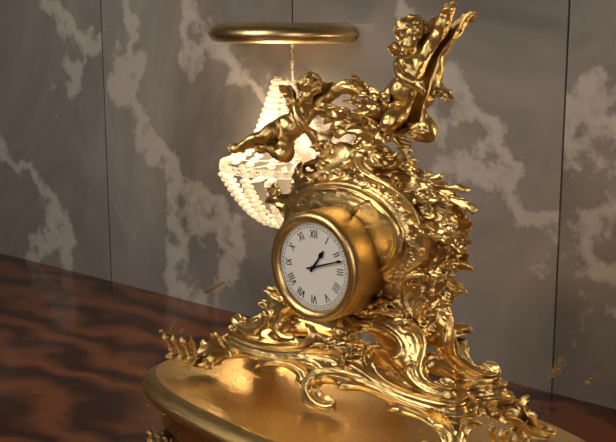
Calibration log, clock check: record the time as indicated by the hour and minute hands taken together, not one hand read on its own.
1:12
